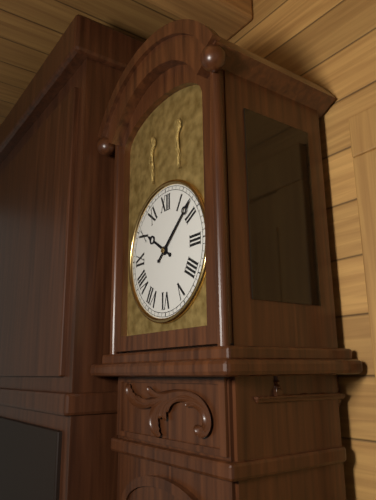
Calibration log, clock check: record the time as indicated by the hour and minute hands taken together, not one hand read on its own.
10:08
